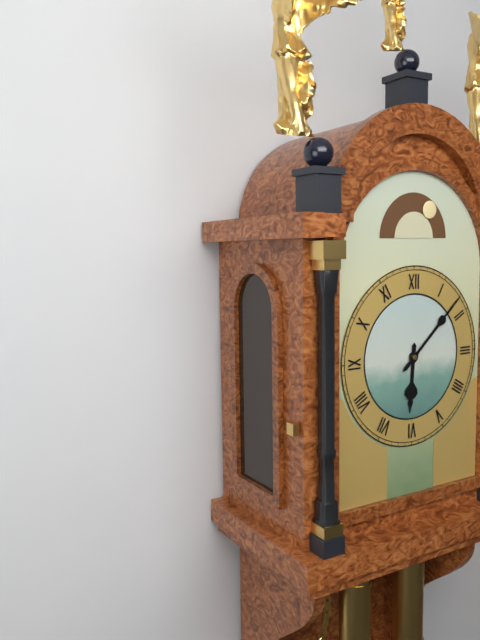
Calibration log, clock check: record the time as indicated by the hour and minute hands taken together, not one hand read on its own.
6:08
